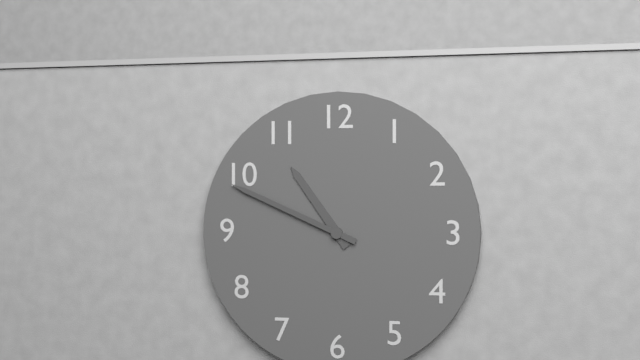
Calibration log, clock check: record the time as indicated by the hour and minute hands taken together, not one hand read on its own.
10:49
